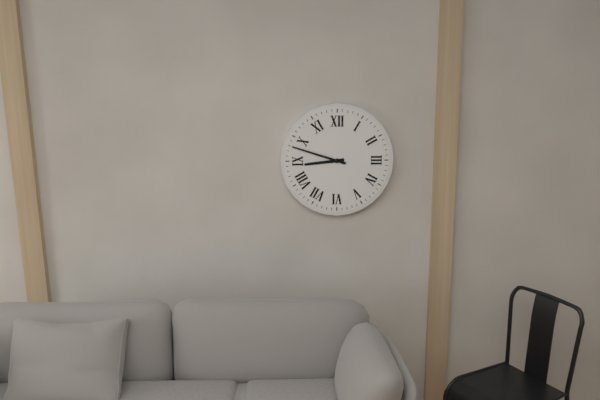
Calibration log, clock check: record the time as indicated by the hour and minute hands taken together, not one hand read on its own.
8:48
